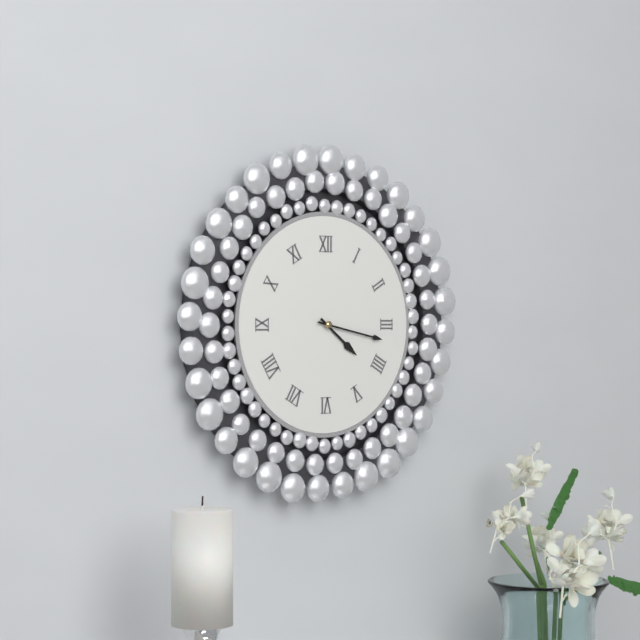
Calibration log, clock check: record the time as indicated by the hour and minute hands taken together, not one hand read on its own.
4:17
